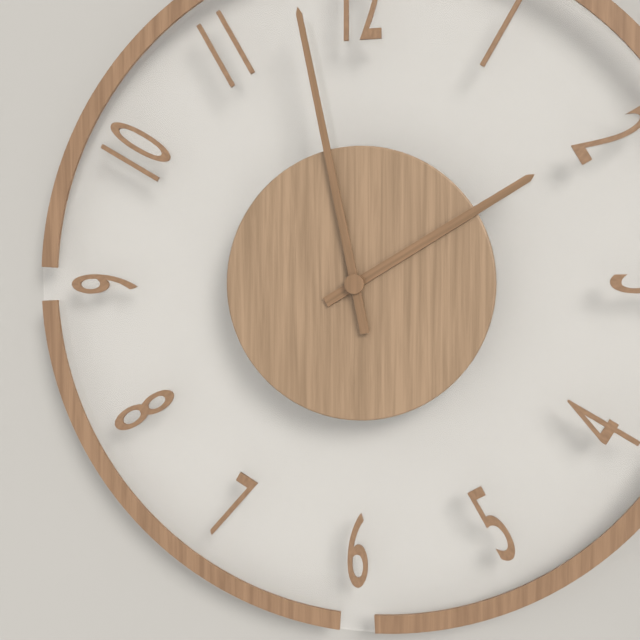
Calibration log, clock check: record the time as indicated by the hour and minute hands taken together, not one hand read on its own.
1:58
